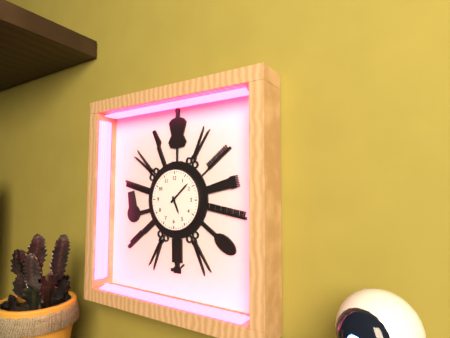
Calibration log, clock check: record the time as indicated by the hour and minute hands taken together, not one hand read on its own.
5:08
